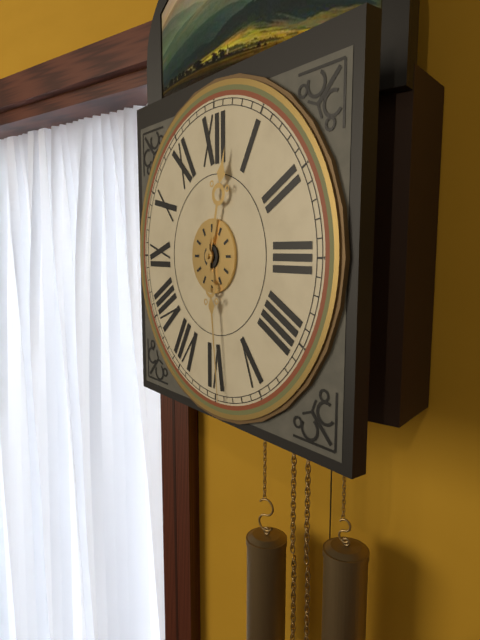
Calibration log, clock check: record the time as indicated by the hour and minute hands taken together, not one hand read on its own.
12:29
